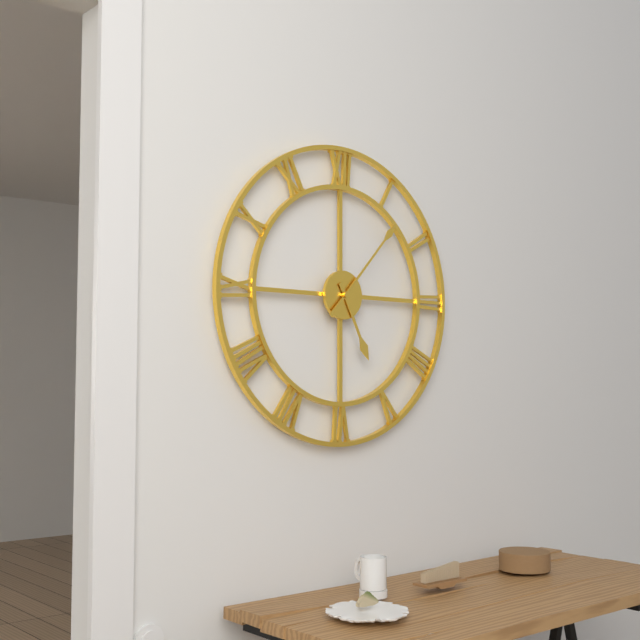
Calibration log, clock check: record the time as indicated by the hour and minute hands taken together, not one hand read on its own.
5:07
